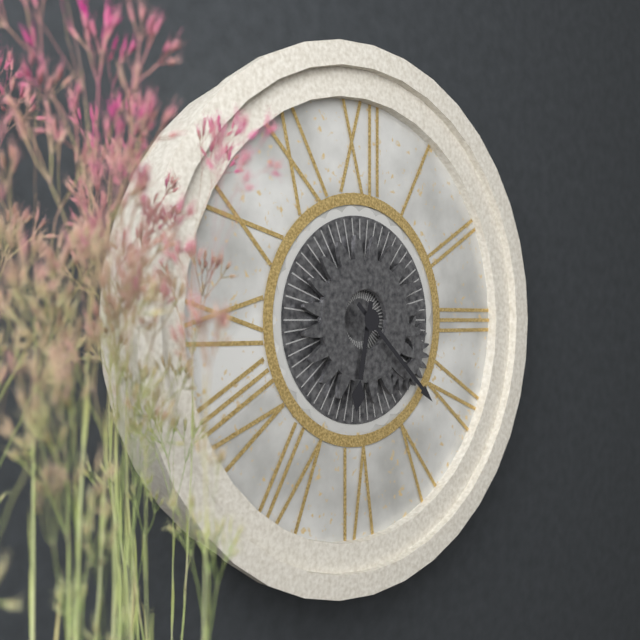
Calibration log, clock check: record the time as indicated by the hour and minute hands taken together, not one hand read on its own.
6:22
